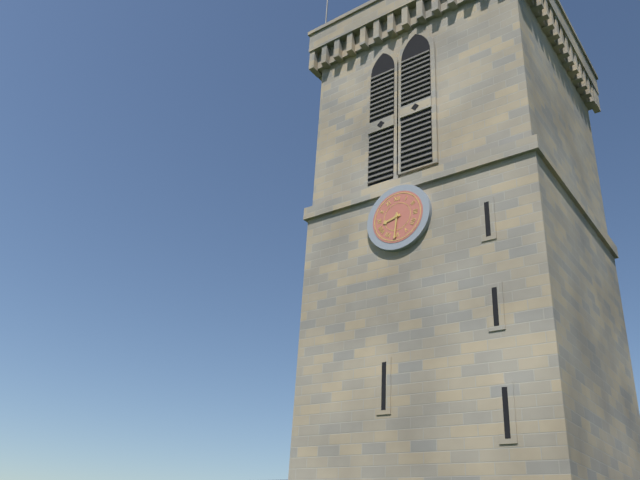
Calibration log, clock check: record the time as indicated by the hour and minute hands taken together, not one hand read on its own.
8:31
